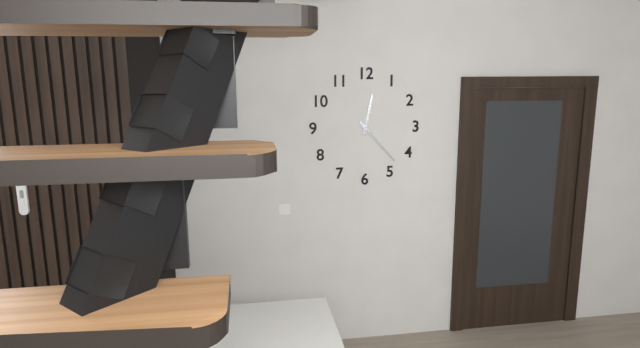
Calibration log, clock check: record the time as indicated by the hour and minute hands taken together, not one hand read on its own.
12:23
